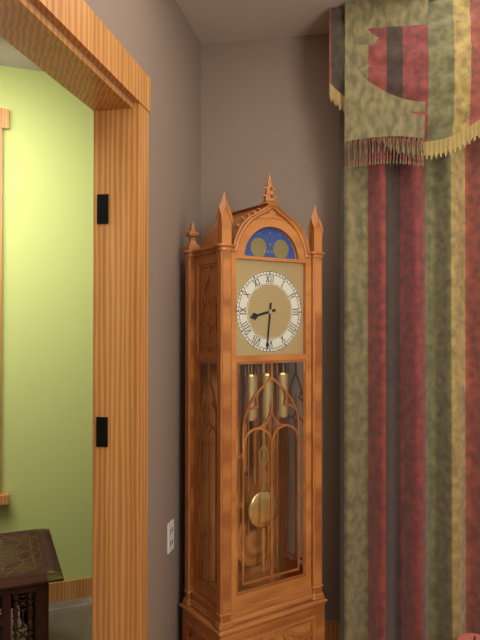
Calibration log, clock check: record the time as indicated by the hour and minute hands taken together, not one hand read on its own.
8:31
